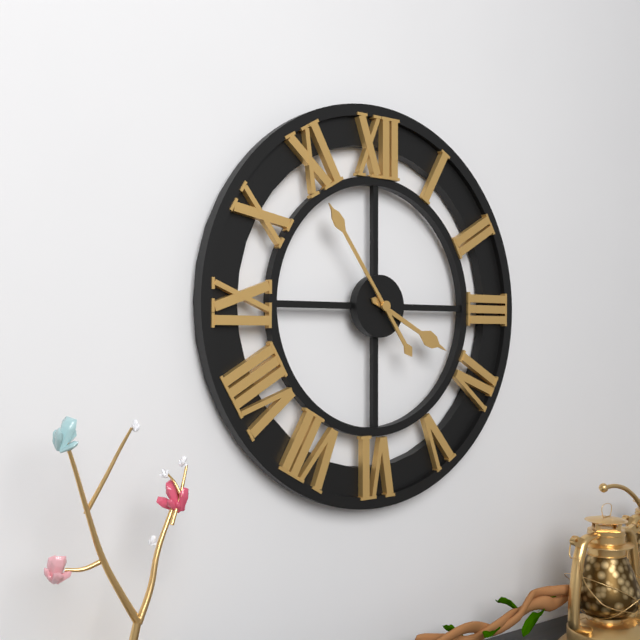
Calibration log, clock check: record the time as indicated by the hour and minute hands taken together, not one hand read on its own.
3:54
